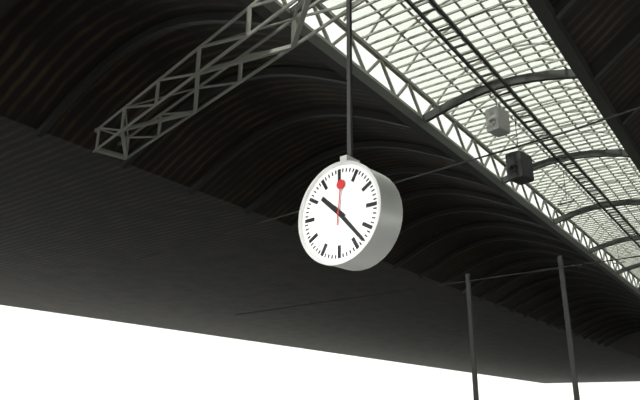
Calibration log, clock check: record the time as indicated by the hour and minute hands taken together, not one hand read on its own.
10:23
